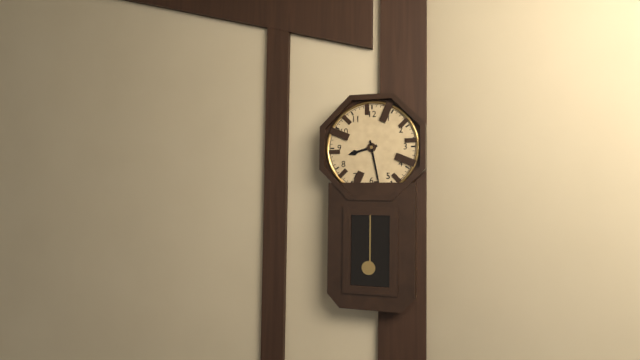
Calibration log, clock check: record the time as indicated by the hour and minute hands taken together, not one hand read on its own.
8:28
